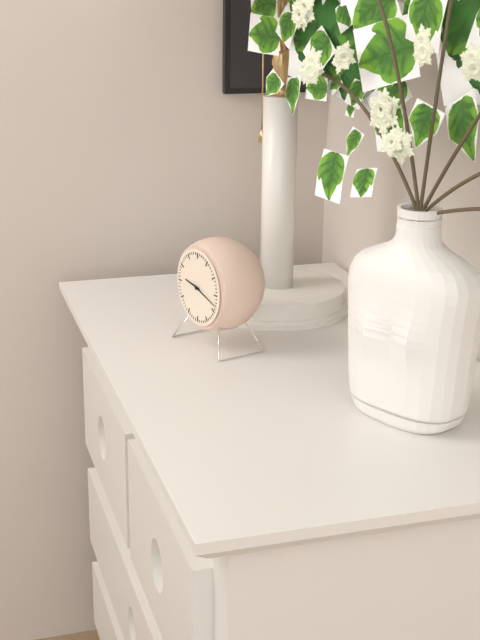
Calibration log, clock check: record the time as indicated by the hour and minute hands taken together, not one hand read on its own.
9:18
